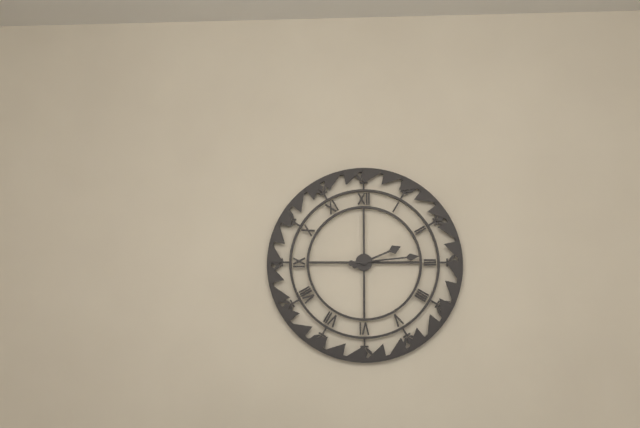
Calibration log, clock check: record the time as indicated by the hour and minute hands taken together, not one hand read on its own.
2:14
